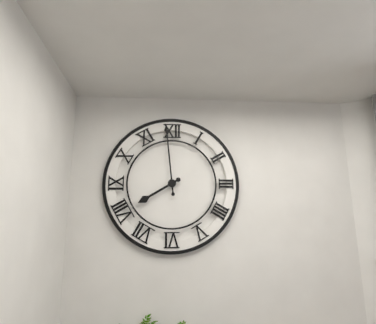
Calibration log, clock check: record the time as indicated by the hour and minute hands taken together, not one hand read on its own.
7:59
